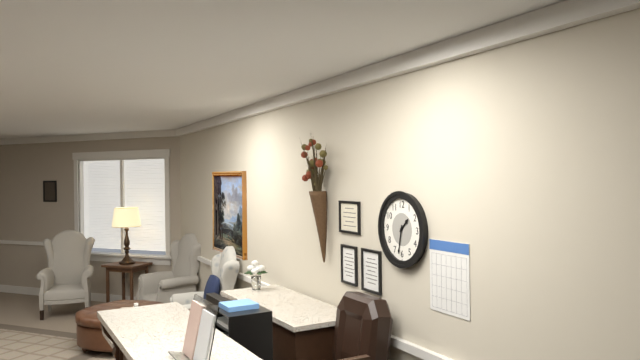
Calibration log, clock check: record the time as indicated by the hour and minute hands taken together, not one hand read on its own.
1:32
